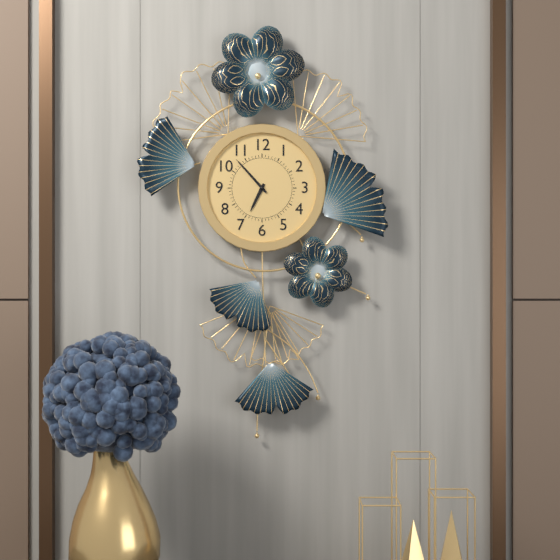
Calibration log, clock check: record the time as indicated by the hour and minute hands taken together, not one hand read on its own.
6:53
